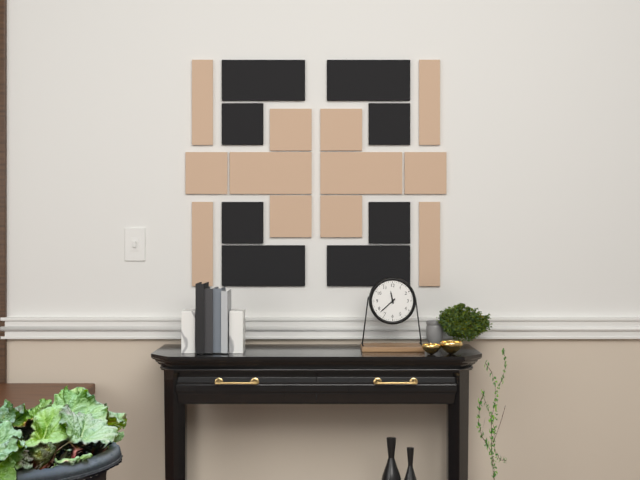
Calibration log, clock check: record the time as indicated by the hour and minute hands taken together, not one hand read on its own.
11:38
